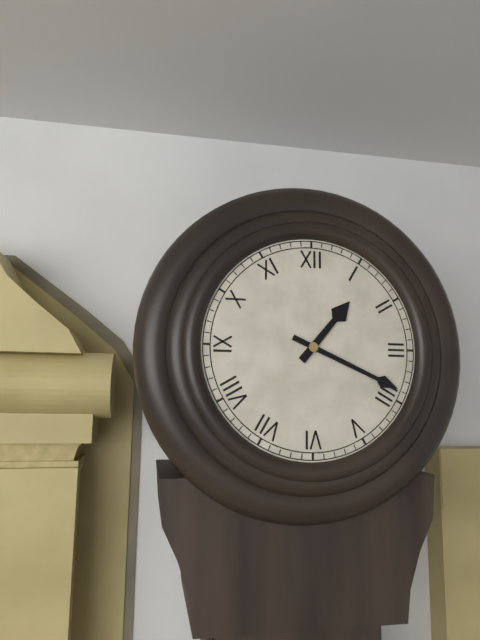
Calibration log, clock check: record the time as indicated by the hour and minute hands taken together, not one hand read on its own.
1:19
